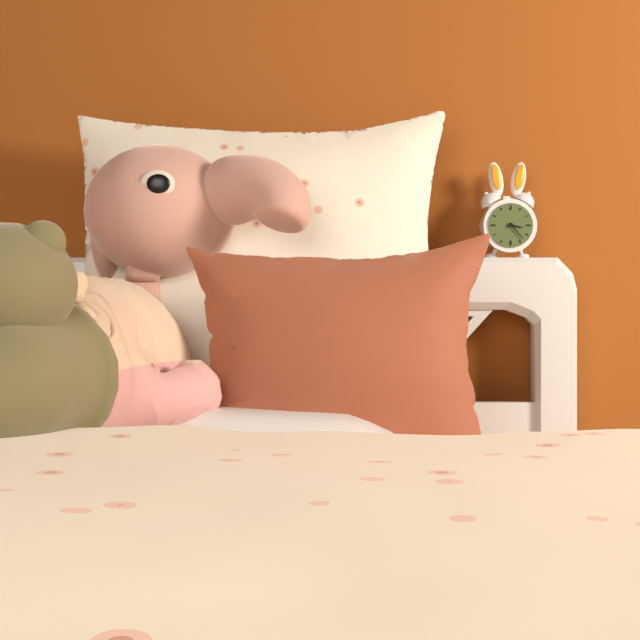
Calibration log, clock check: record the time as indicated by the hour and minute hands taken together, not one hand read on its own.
3:23
